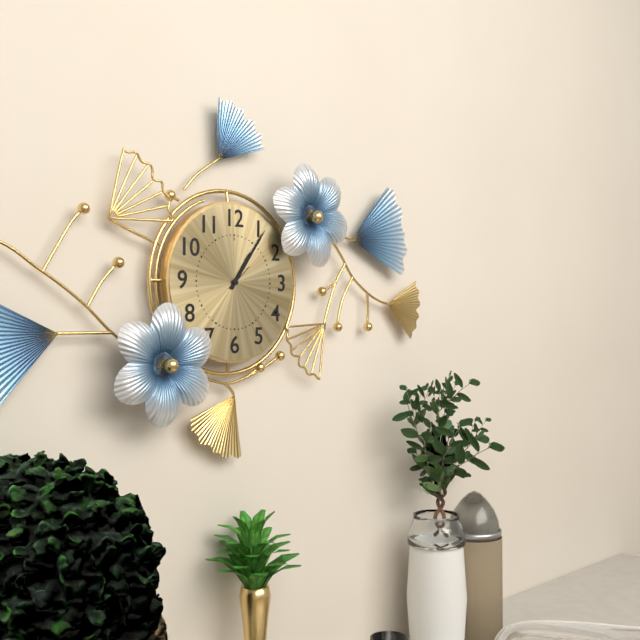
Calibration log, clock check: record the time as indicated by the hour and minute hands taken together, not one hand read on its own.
1:06
